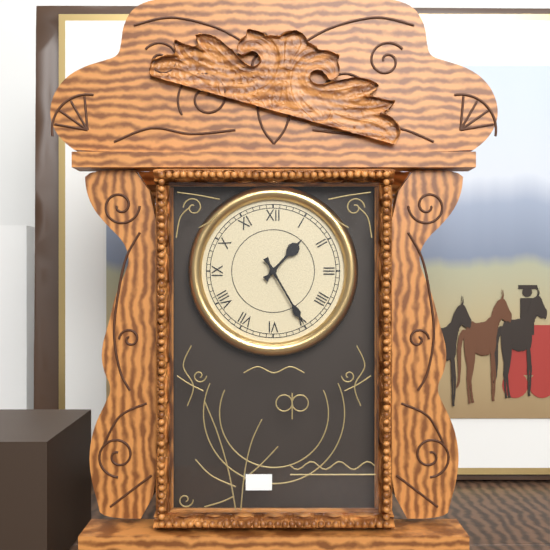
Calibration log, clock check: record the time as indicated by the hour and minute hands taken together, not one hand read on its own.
1:25
